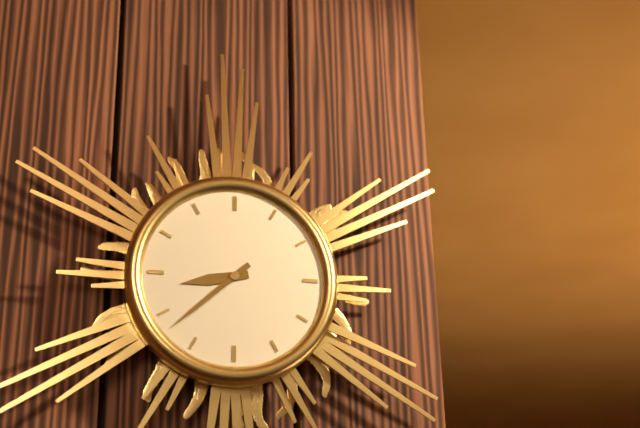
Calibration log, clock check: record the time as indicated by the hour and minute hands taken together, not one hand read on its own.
8:38
